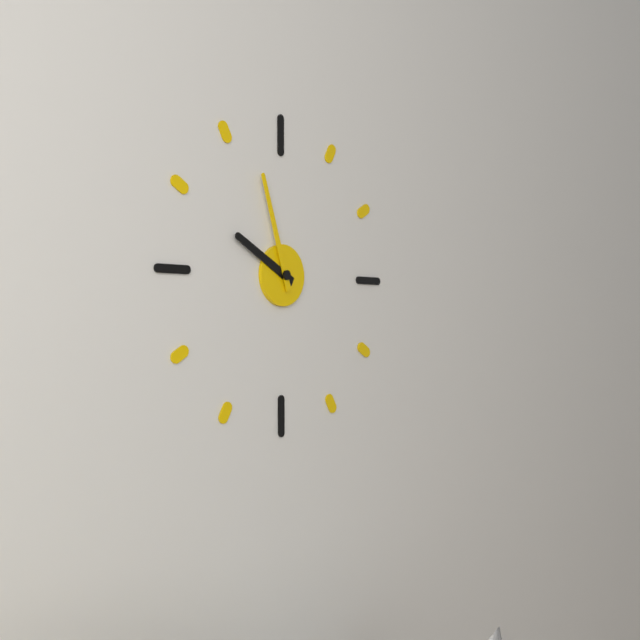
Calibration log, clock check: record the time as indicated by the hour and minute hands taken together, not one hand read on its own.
9:57
